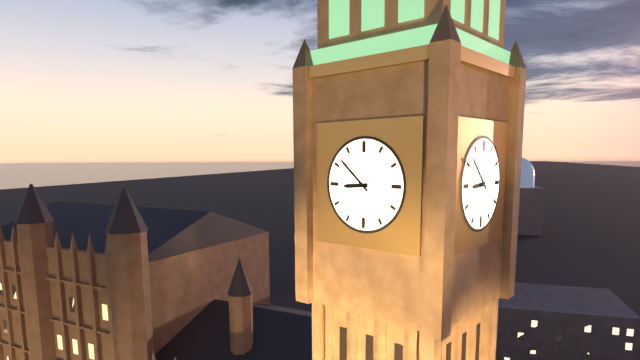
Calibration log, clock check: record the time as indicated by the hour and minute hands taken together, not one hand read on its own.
8:52
